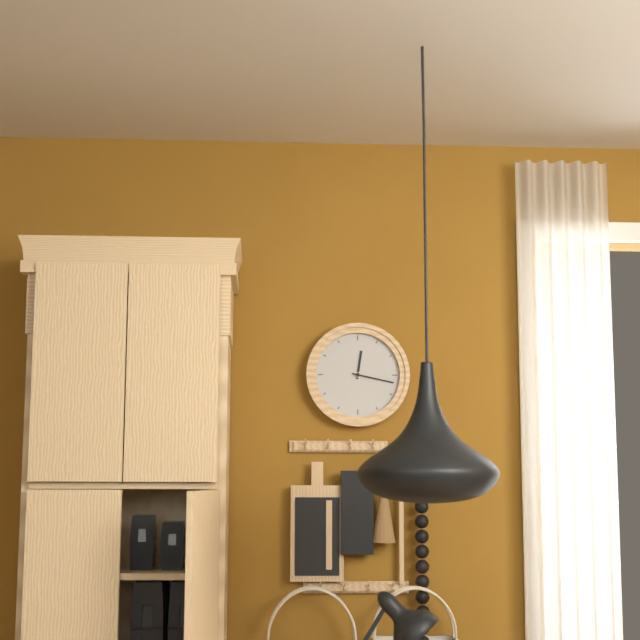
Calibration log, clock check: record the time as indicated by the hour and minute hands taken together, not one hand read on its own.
12:17
